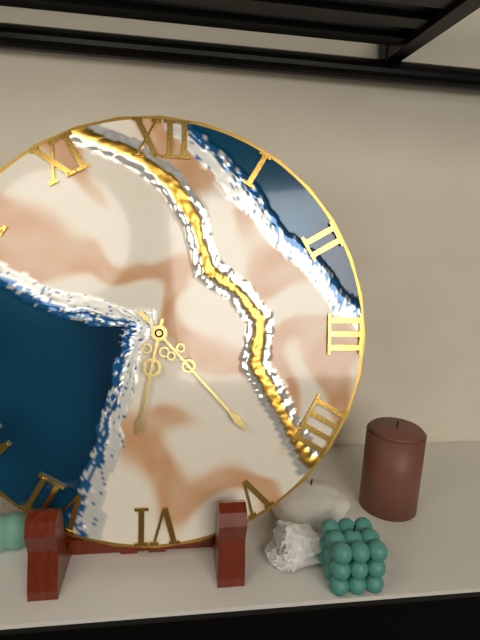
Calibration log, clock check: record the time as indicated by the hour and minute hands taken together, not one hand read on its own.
6:23
